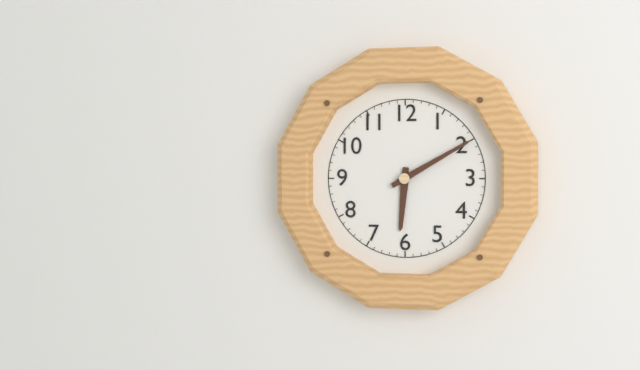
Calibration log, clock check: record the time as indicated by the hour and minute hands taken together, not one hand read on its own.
6:10
